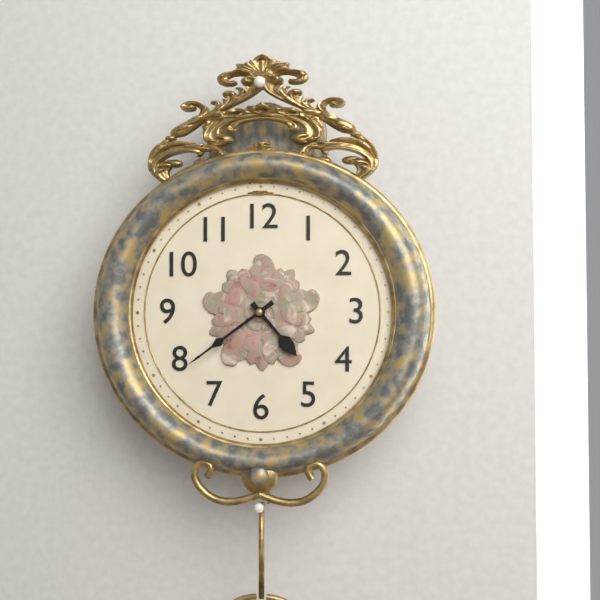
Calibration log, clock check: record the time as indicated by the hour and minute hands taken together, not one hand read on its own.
4:39
